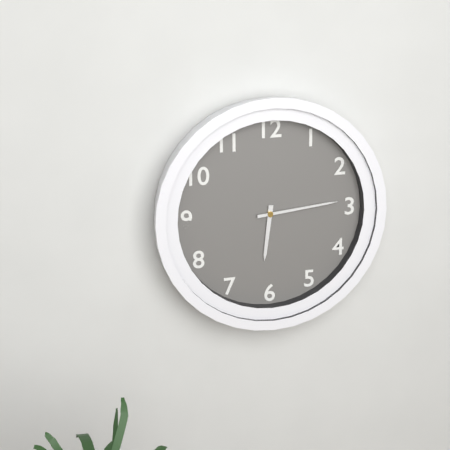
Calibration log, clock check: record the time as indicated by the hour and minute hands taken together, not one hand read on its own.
6:14
